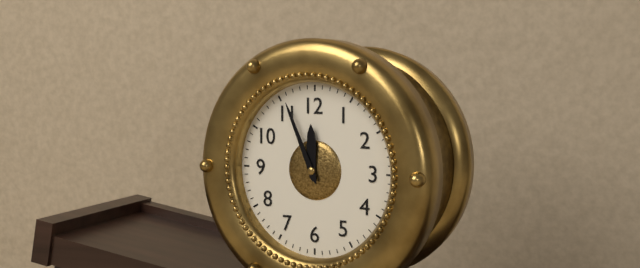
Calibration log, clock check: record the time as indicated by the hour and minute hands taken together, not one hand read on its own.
11:56
